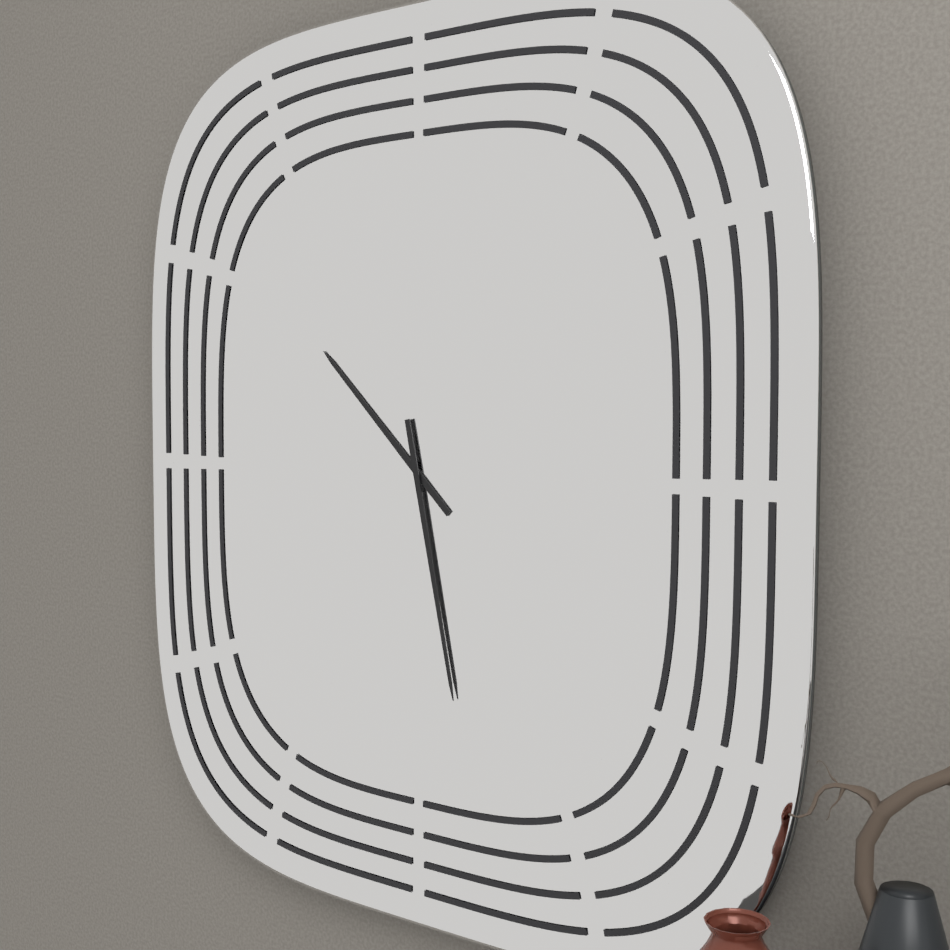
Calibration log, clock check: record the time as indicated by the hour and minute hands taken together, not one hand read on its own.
10:28
